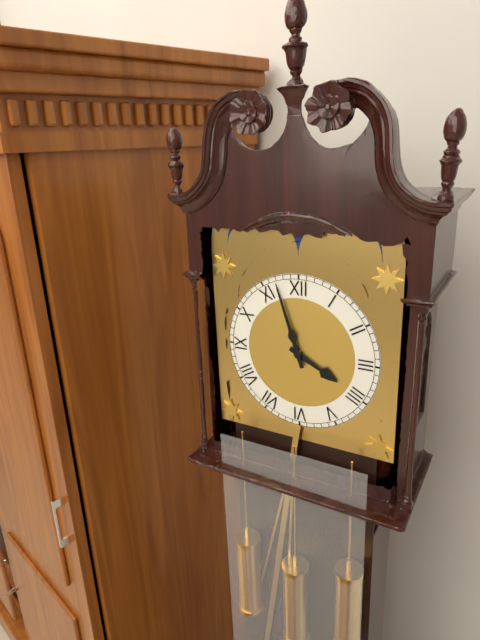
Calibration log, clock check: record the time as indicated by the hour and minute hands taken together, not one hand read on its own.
3:57
